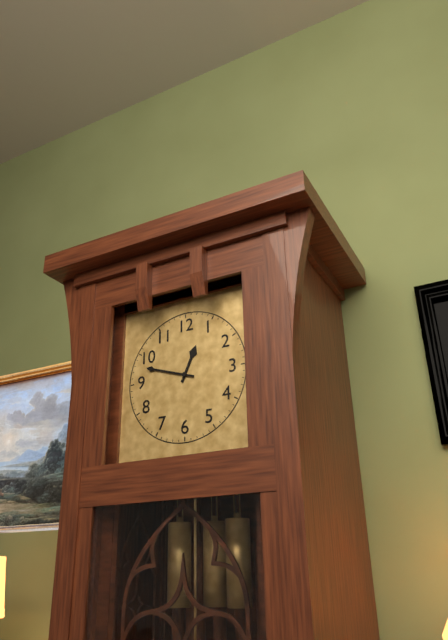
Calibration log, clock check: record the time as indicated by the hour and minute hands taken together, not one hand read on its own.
12:48
